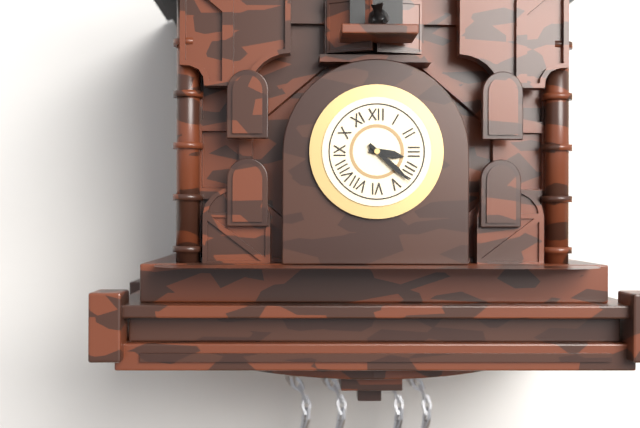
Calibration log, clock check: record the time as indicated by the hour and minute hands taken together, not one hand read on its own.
3:22
